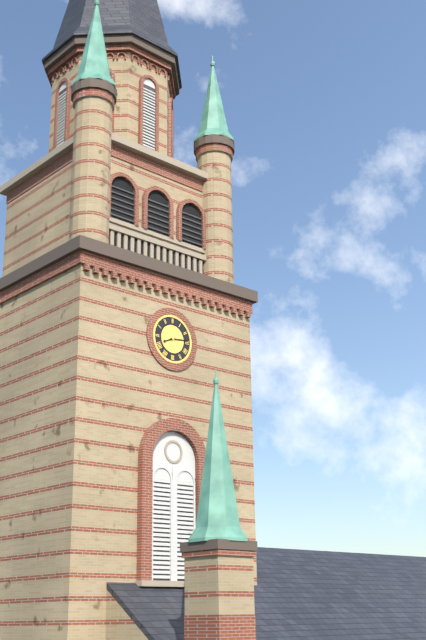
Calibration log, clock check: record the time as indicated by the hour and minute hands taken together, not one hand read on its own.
8:14
